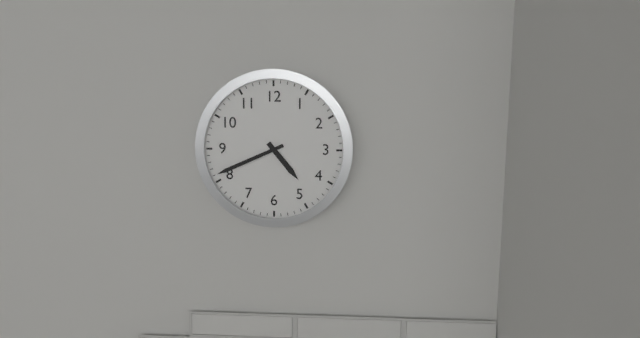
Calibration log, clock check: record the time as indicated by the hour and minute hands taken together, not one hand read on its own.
4:41
